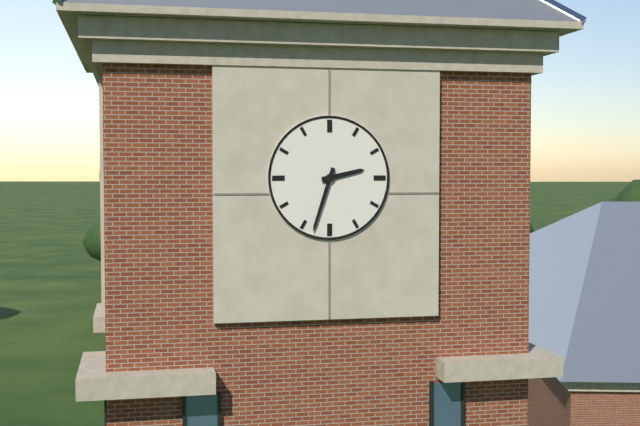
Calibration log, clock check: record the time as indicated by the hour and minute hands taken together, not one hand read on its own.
2:33
